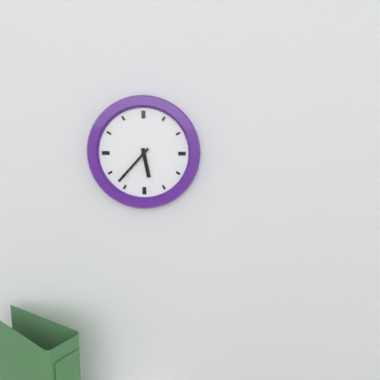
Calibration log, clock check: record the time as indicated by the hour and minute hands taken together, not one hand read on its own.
5:37
